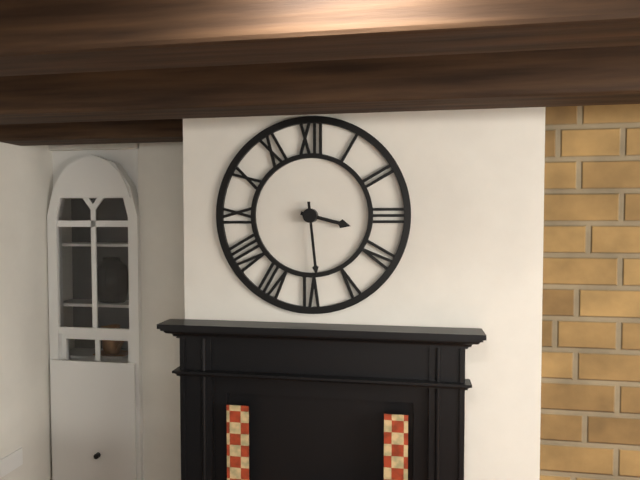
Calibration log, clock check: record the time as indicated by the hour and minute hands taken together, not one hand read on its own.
3:29
